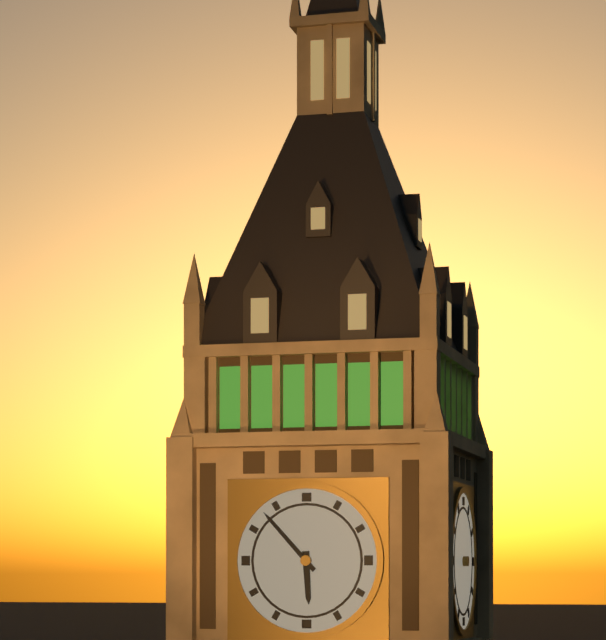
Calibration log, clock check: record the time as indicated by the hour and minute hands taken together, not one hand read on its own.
5:53
